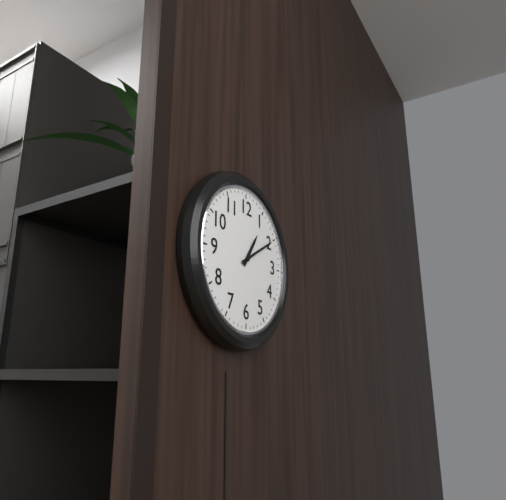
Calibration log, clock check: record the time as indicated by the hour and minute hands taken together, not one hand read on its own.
1:10
